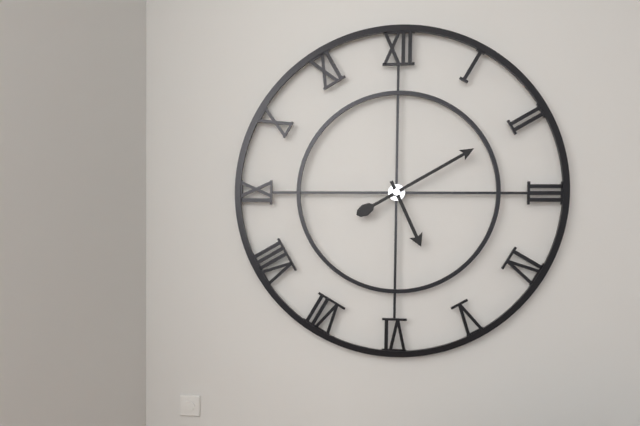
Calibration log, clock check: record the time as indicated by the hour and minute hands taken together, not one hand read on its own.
5:10
